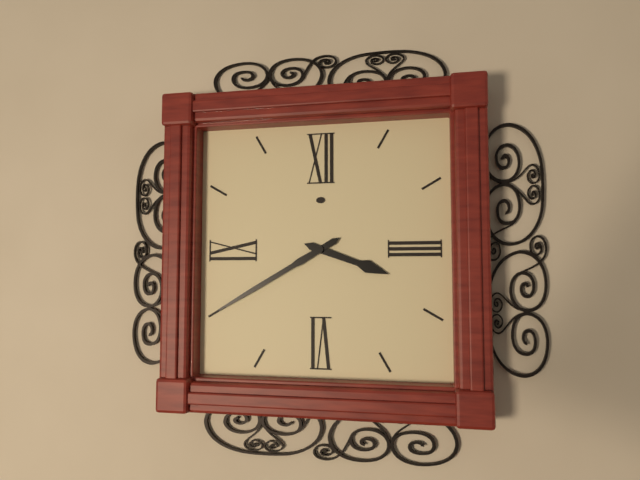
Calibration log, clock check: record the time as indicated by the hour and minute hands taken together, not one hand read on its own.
3:40
